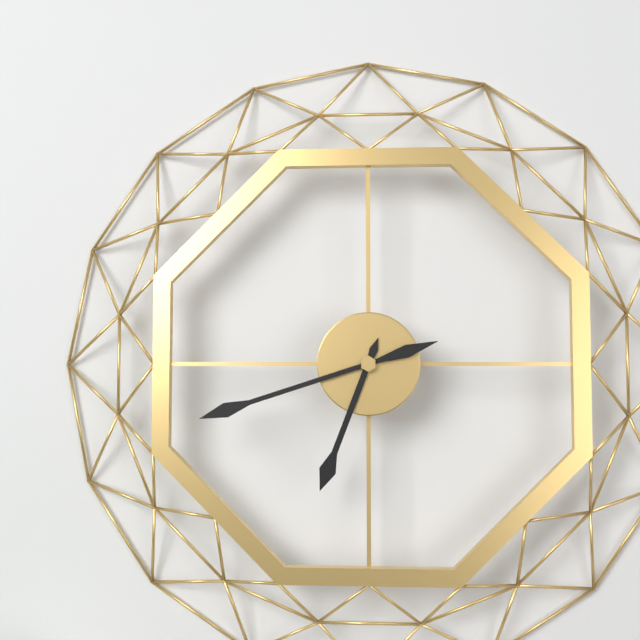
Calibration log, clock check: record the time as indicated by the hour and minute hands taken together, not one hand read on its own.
6:42
